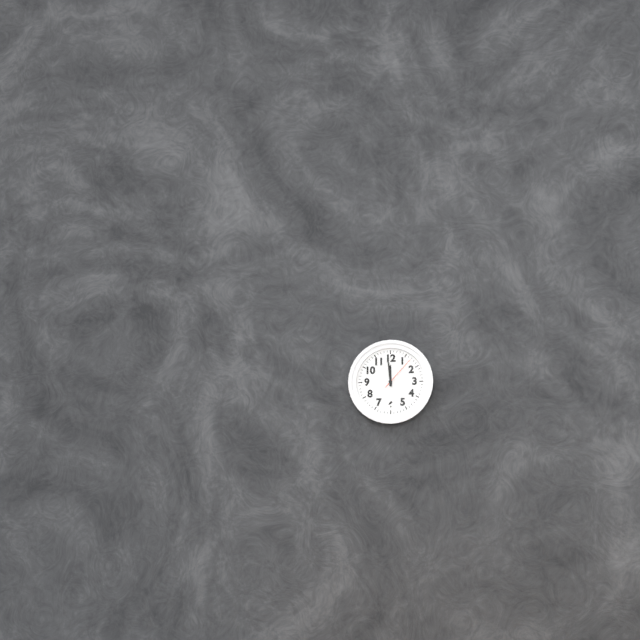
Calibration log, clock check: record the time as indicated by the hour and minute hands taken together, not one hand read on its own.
11:59
